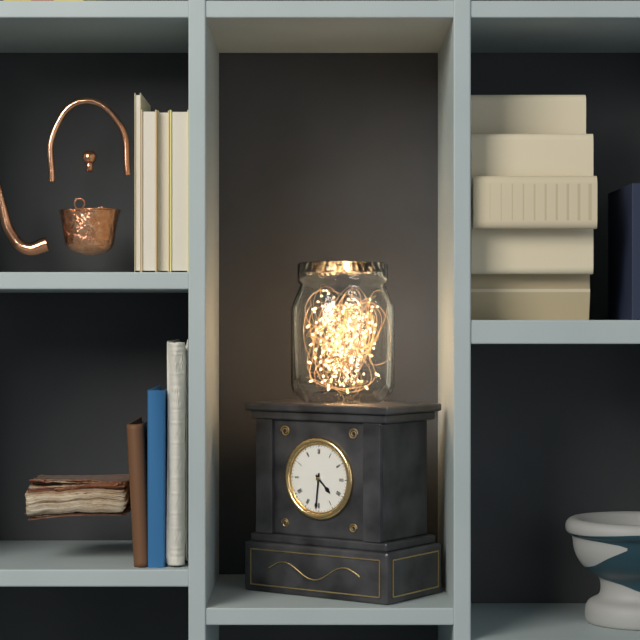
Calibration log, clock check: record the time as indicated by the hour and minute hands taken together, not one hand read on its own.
4:31
